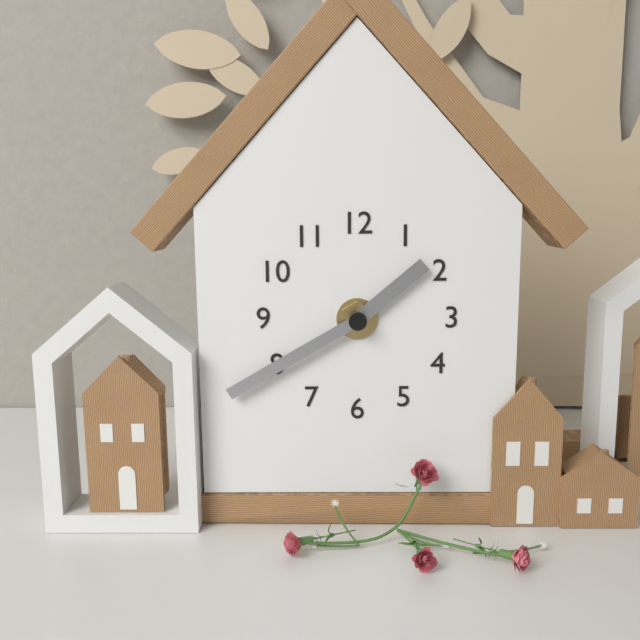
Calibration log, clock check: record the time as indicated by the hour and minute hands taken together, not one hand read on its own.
1:40
